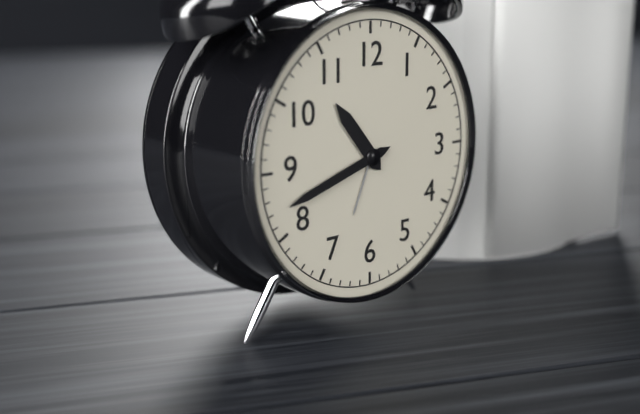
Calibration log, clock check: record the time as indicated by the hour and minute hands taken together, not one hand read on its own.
10:42
